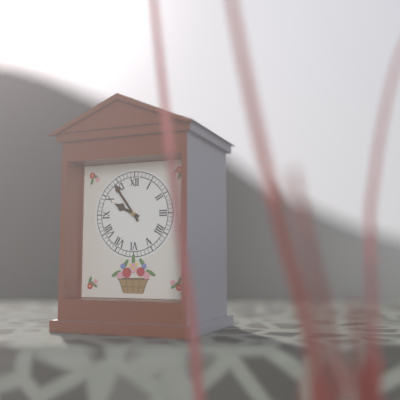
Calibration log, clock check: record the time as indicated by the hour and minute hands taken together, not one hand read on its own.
9:54
